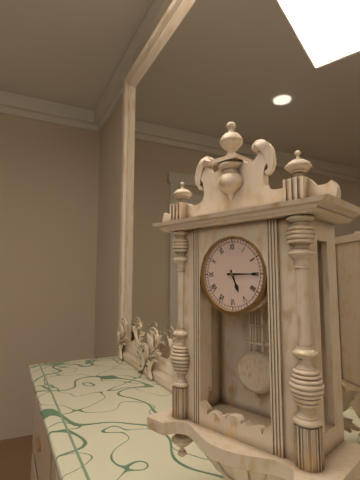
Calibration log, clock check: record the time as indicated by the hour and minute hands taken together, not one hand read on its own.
5:15
